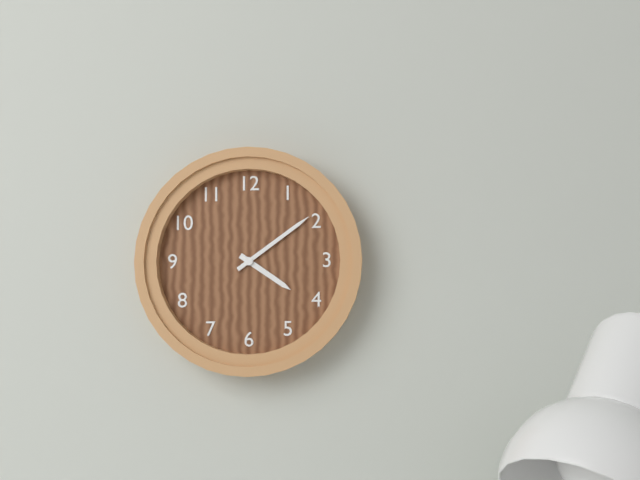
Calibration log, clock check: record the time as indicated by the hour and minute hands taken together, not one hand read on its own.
4:09
